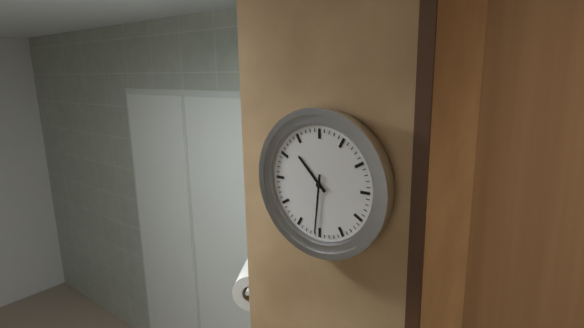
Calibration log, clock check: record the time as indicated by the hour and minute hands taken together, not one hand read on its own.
10:31
